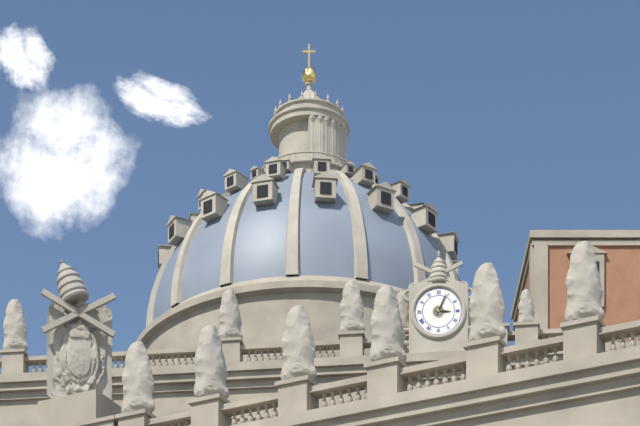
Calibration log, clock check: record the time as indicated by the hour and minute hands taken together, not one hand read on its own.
3:04
